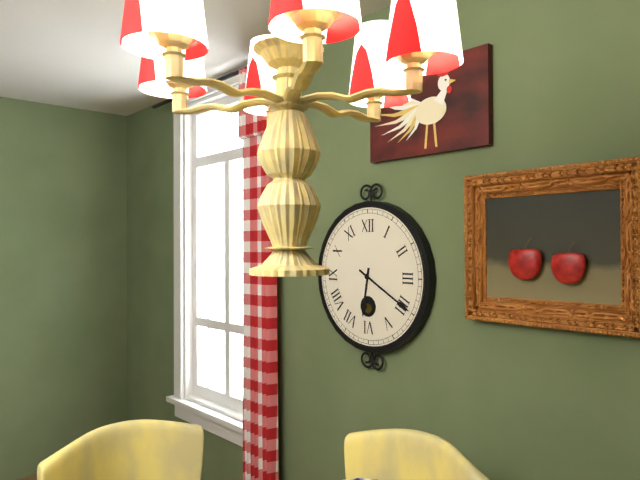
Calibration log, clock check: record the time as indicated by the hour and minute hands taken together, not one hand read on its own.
6:20
